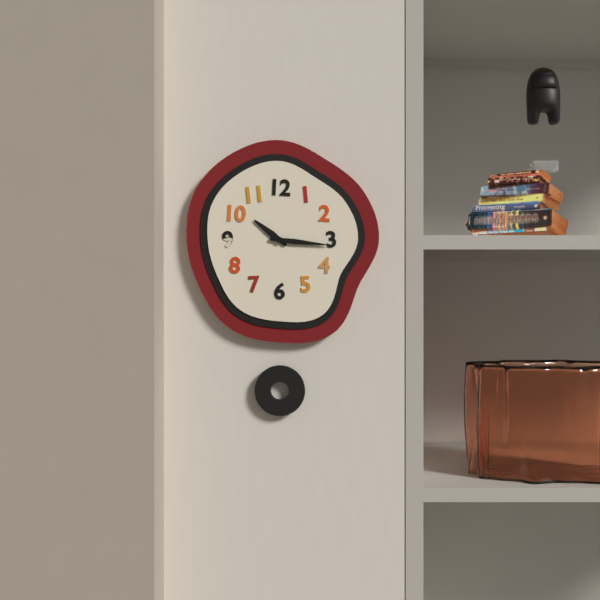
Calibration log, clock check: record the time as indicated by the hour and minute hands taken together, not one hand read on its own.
10:16
